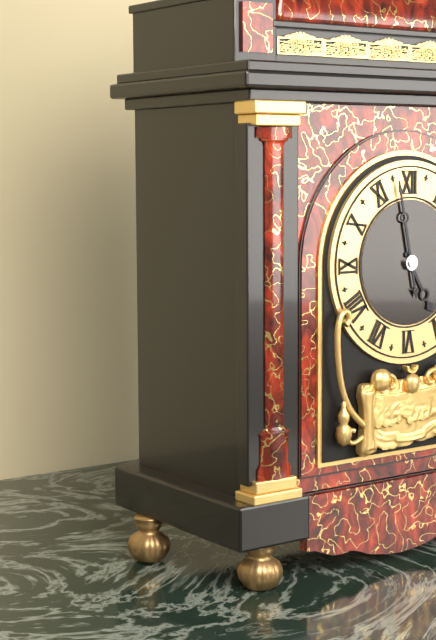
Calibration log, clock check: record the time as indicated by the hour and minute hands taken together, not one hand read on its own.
4:58
